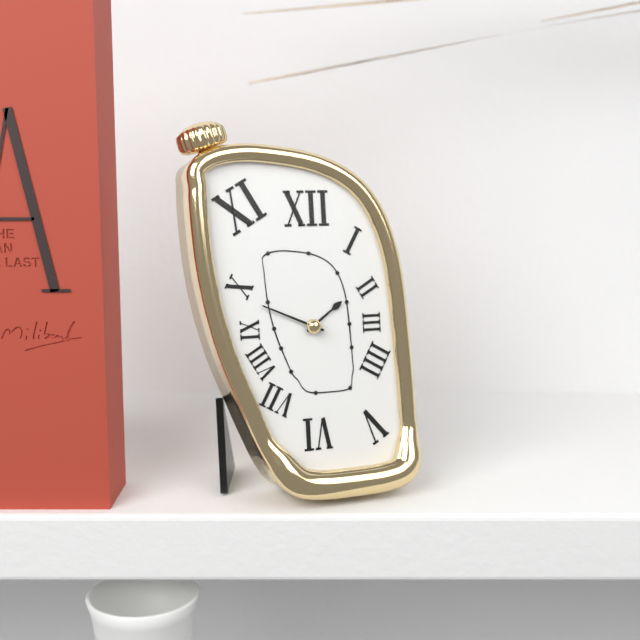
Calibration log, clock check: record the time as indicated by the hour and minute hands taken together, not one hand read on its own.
1:49
